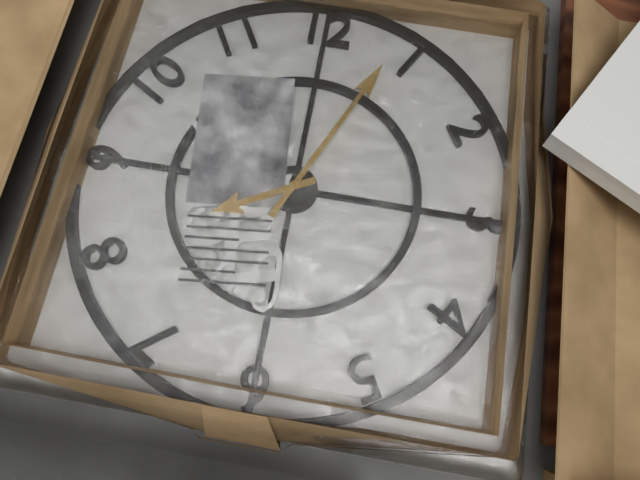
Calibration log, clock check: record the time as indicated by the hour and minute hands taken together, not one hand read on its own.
8:04
